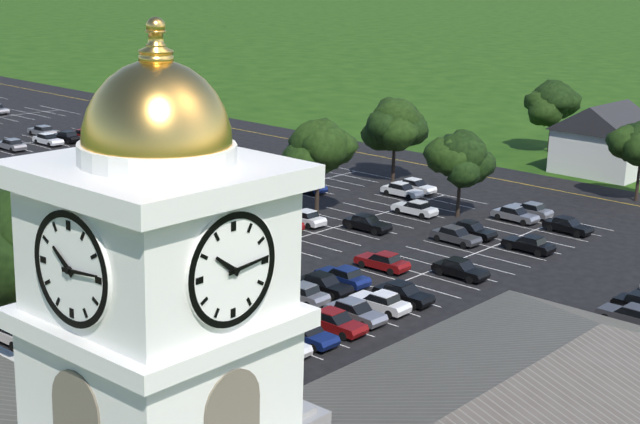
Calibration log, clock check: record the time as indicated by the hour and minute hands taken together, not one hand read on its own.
10:14
